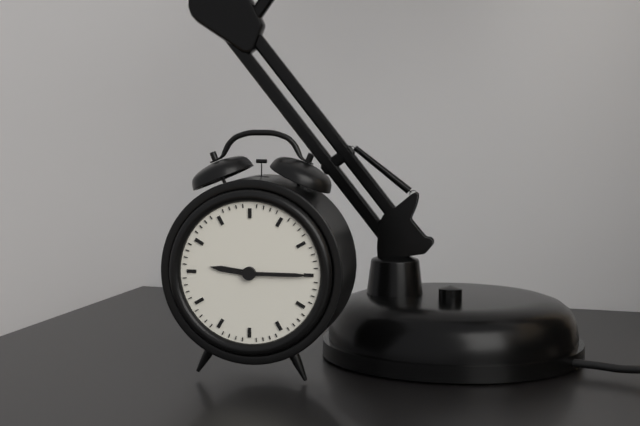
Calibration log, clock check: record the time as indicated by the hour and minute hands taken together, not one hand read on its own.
9:15
